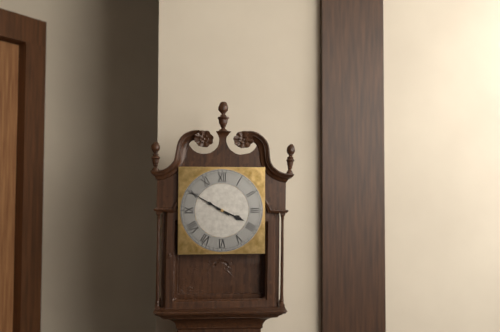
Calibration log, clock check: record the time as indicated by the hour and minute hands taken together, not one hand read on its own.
3:50
